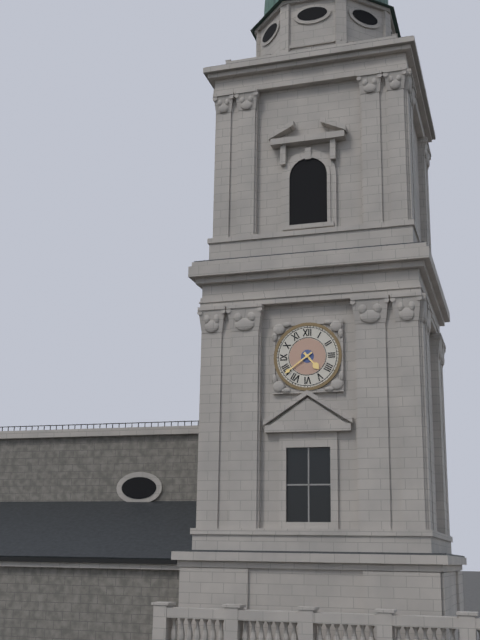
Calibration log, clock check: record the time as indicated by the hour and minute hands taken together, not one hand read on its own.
4:39
